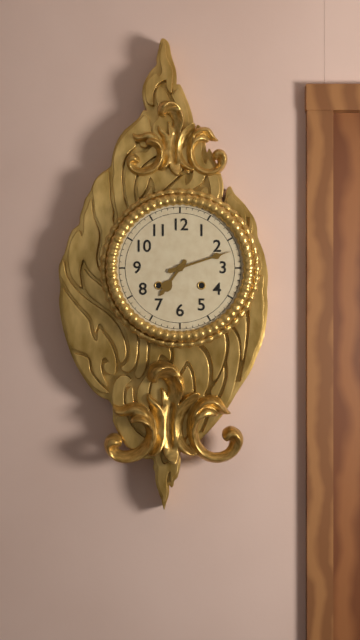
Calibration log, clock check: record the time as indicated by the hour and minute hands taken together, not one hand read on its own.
7:12
